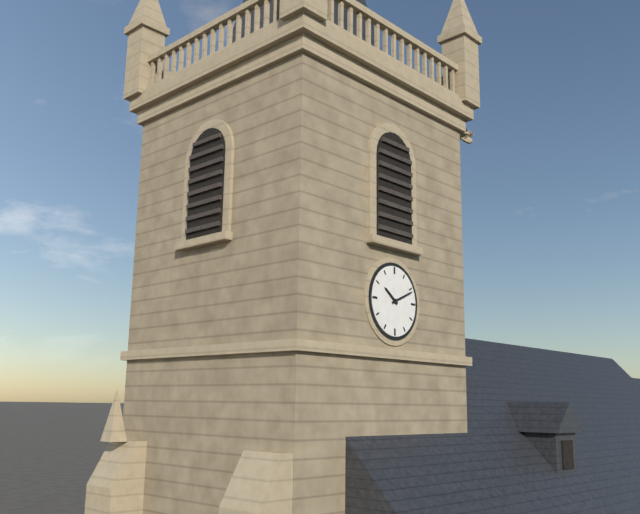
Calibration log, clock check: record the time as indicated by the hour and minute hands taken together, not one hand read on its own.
10:11
